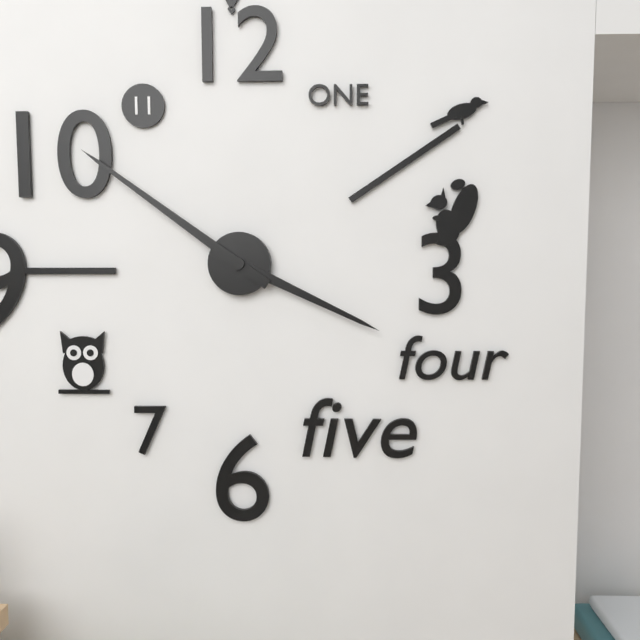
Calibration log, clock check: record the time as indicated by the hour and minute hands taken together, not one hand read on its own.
3:51
